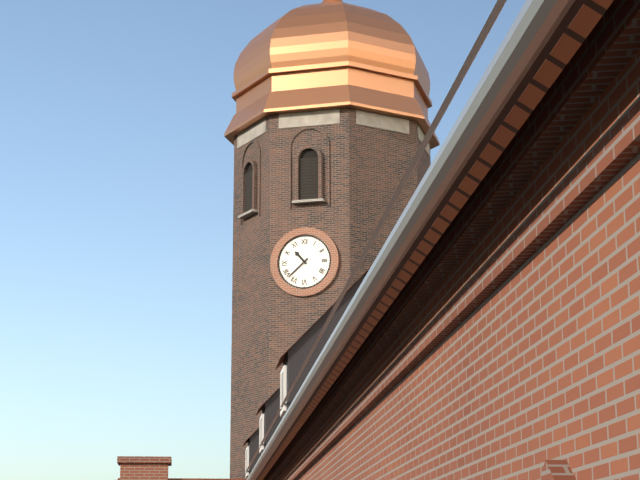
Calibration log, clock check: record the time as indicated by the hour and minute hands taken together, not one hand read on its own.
10:38
